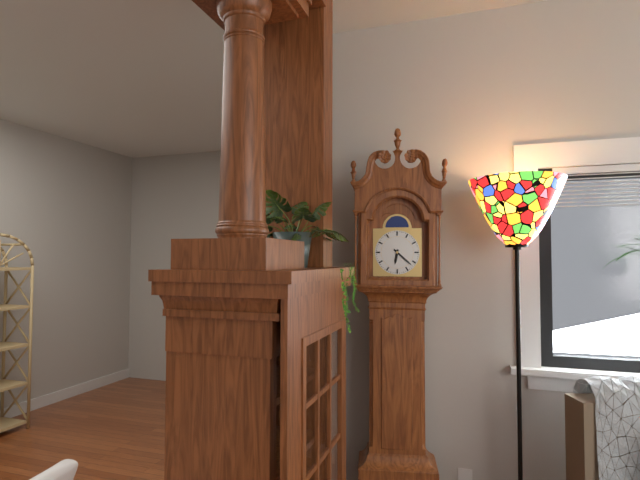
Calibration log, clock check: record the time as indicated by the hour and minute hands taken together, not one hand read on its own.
6:22
